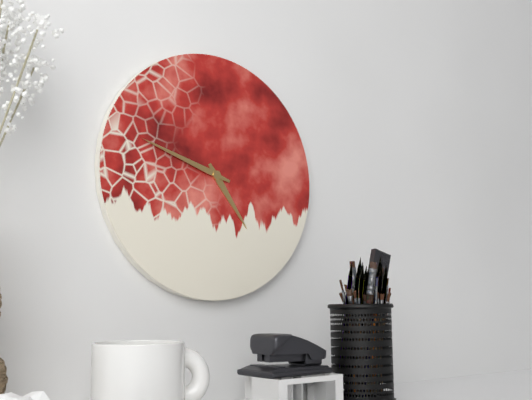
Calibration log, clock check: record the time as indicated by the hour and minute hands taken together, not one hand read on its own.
4:48
